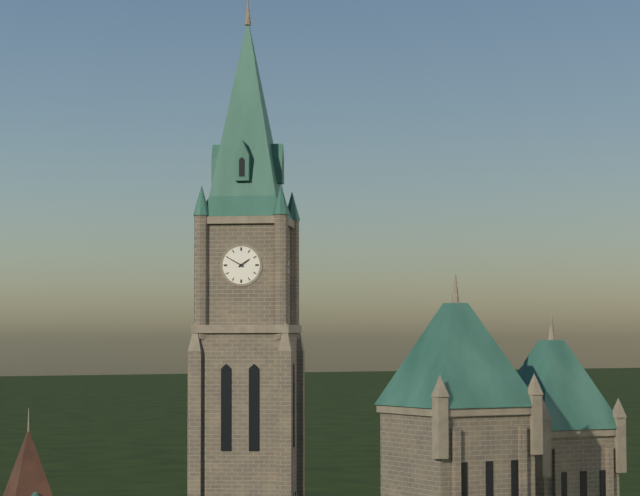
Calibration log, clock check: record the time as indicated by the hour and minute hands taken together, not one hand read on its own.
1:50
